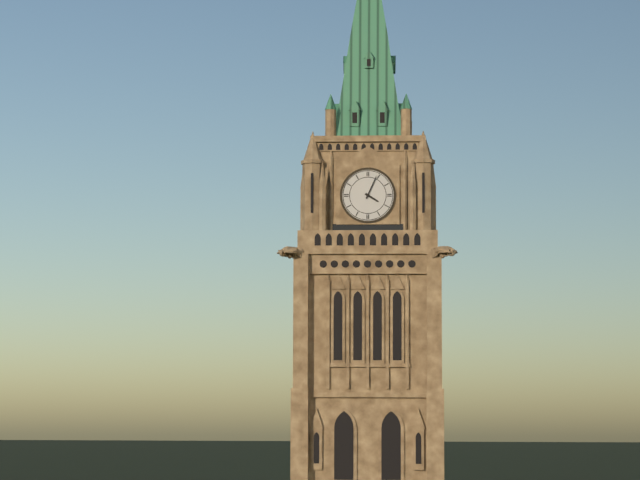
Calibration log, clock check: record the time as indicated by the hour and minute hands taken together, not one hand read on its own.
4:04
